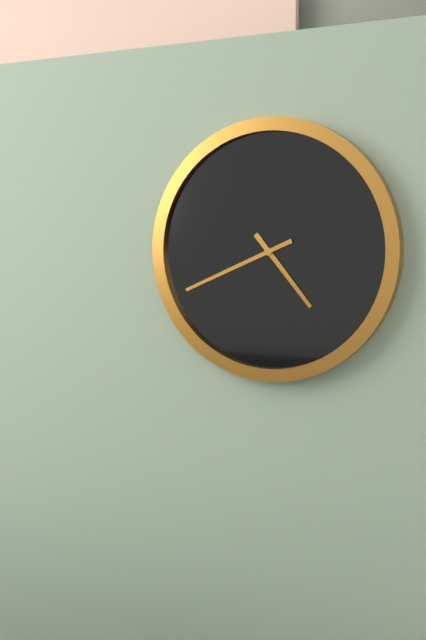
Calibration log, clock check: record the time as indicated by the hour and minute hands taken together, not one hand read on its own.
4:41
